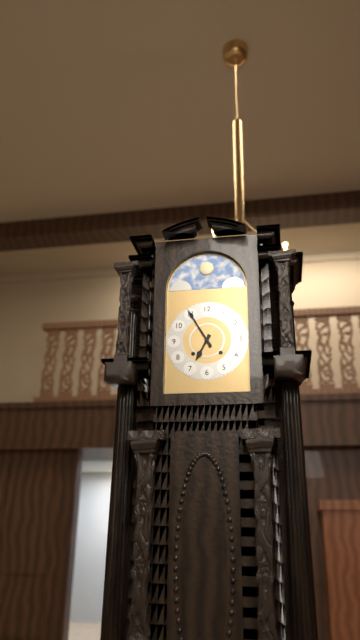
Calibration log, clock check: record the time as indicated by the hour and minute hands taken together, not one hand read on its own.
6:55
